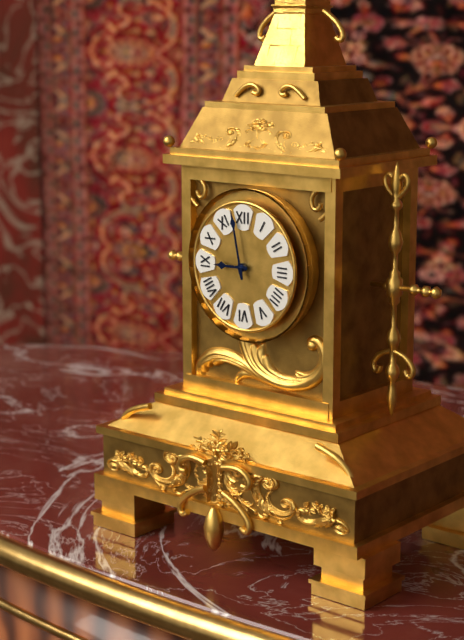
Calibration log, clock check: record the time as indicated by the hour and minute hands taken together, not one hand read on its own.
8:58
